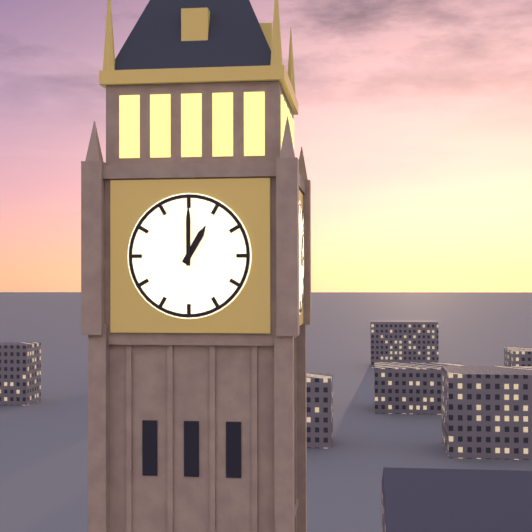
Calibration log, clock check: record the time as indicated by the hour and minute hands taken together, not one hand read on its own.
1:00
